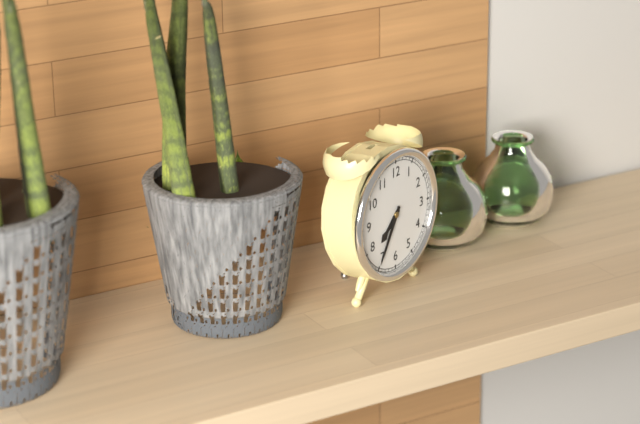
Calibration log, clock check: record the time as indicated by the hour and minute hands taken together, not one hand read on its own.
7:35
